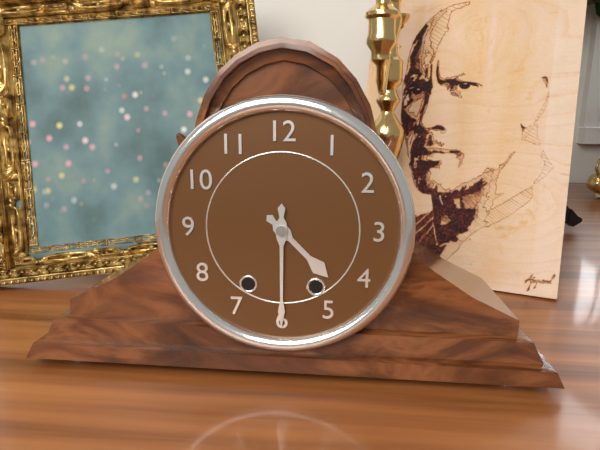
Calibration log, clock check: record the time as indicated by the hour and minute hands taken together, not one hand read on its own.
4:30
